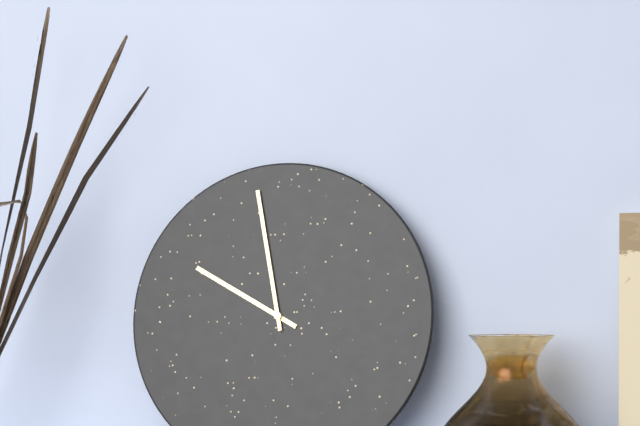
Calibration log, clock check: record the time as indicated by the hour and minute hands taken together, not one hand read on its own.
9:58
